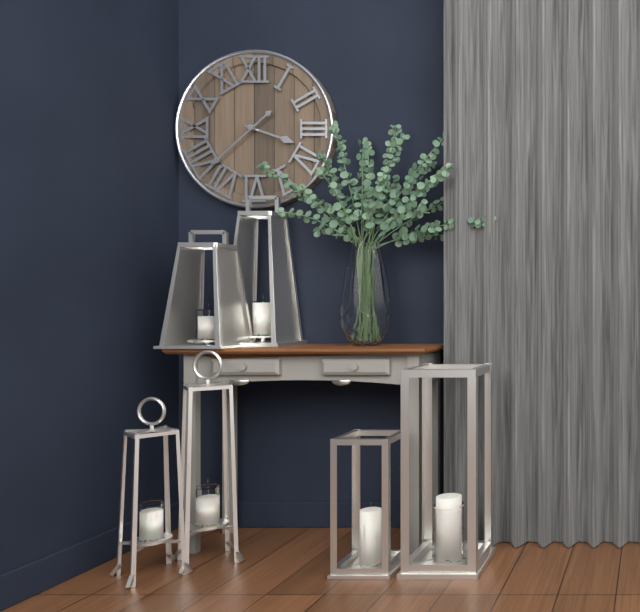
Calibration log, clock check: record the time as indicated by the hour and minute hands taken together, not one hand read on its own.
3:38
